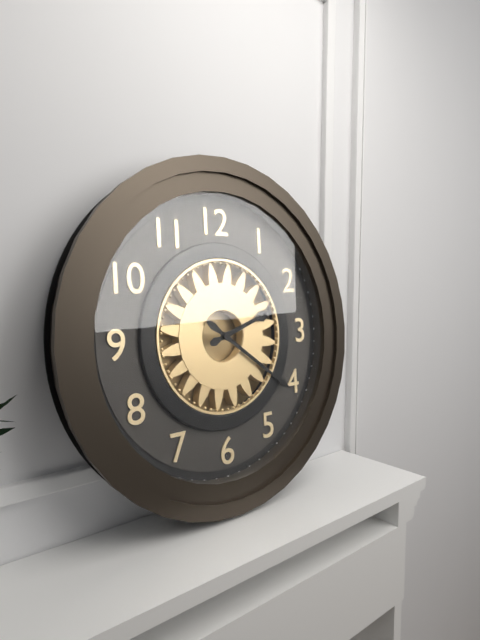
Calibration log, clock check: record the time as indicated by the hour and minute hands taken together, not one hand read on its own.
2:21
